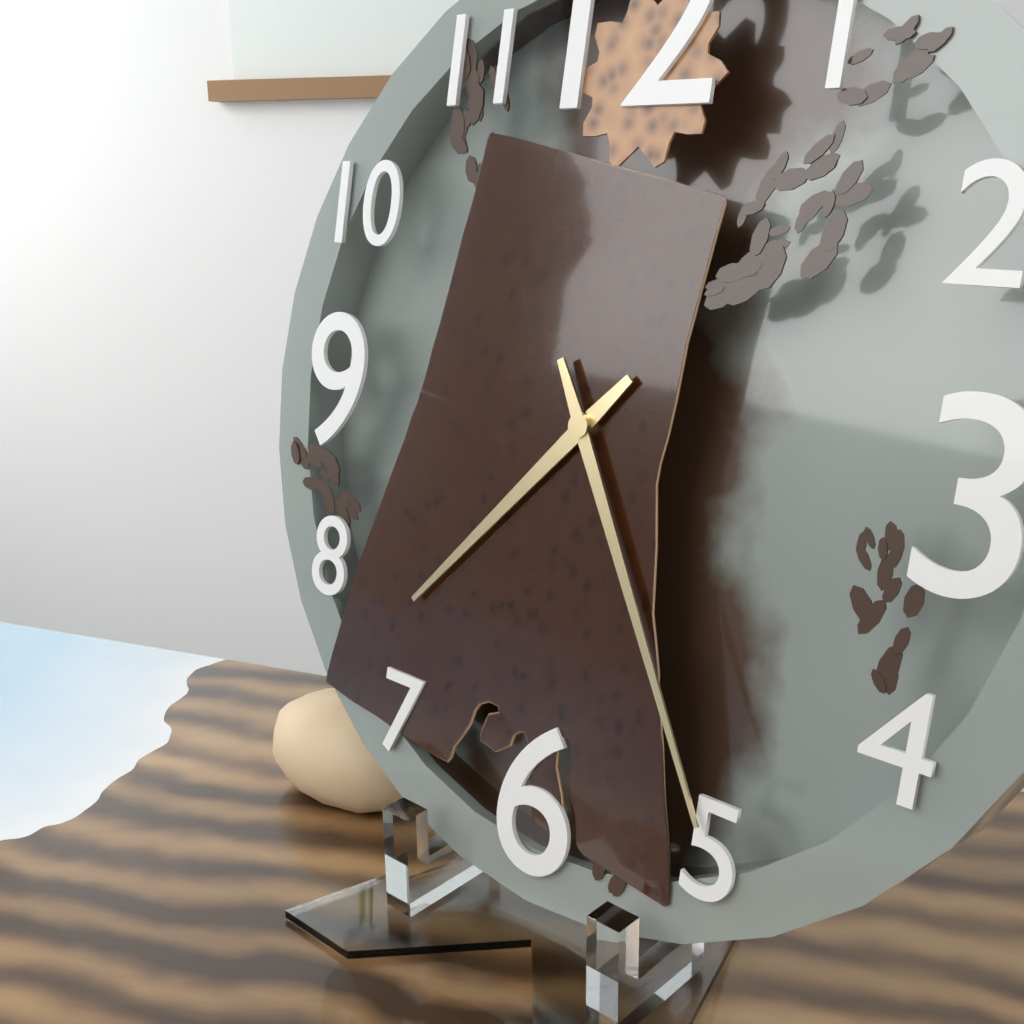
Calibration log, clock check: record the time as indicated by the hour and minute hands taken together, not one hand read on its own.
7:25
